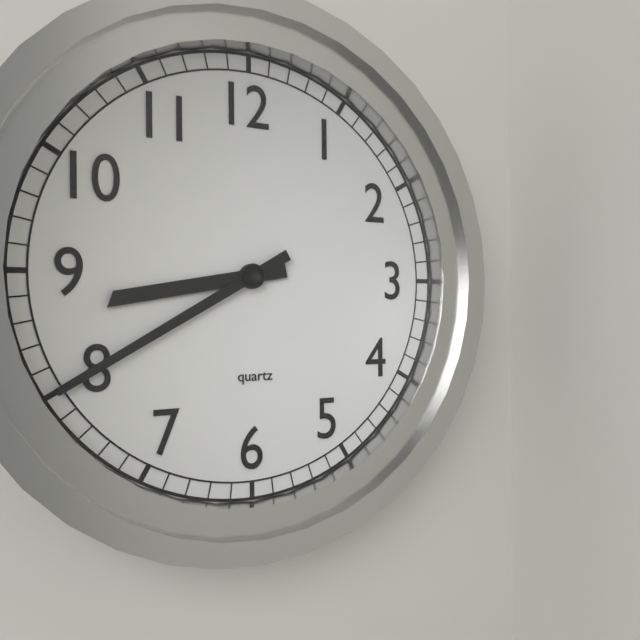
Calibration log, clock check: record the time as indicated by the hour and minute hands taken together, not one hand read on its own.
8:40
